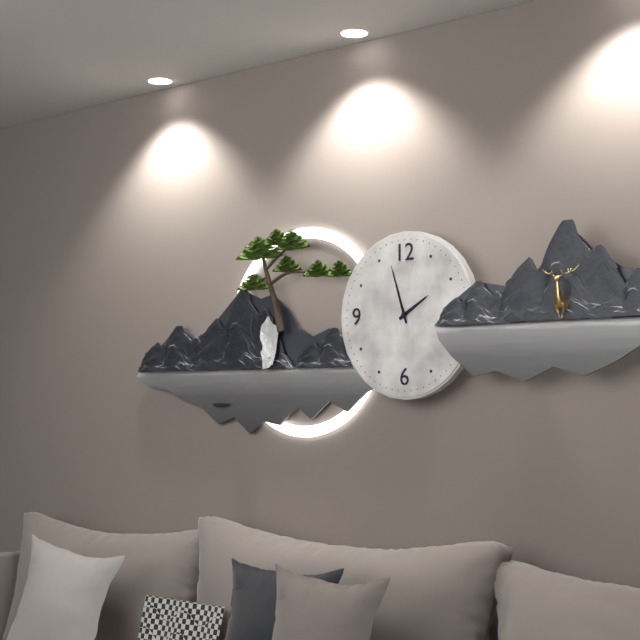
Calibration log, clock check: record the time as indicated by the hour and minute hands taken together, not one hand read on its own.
1:57
